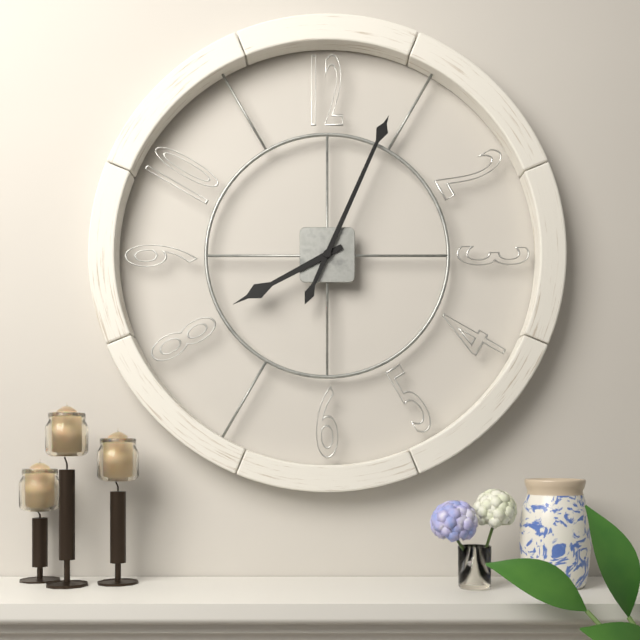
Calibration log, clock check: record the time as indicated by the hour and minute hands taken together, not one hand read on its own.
8:04
